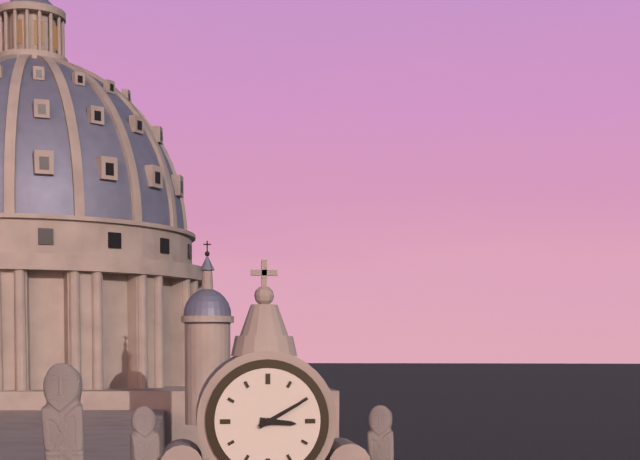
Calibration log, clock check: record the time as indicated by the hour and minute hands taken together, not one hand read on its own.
3:10
